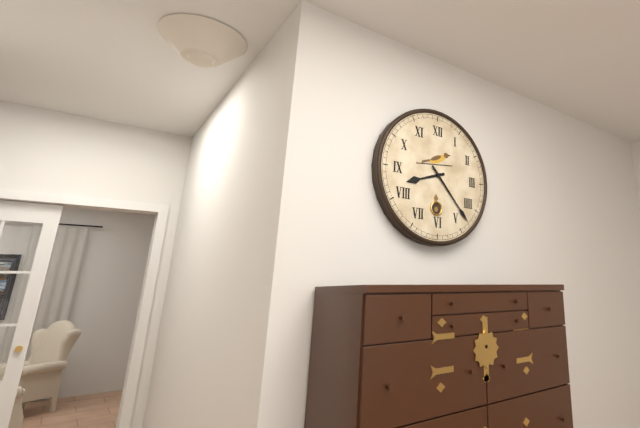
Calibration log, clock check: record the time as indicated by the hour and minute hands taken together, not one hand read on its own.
8:23
